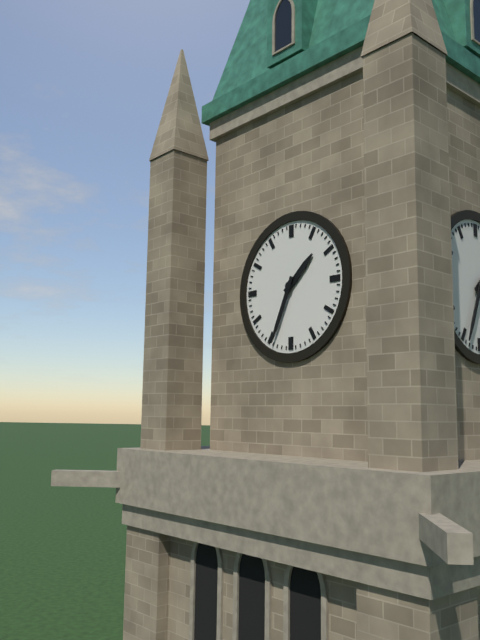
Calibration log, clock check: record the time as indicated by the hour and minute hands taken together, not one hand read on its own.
1:34
